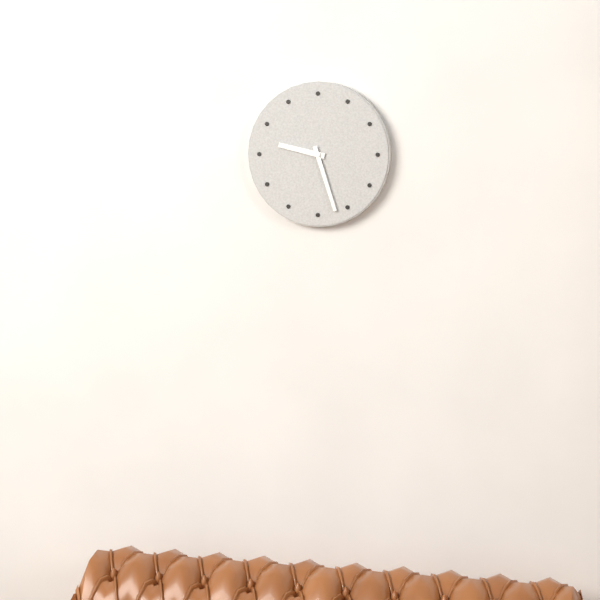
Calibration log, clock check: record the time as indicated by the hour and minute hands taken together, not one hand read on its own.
9:27
